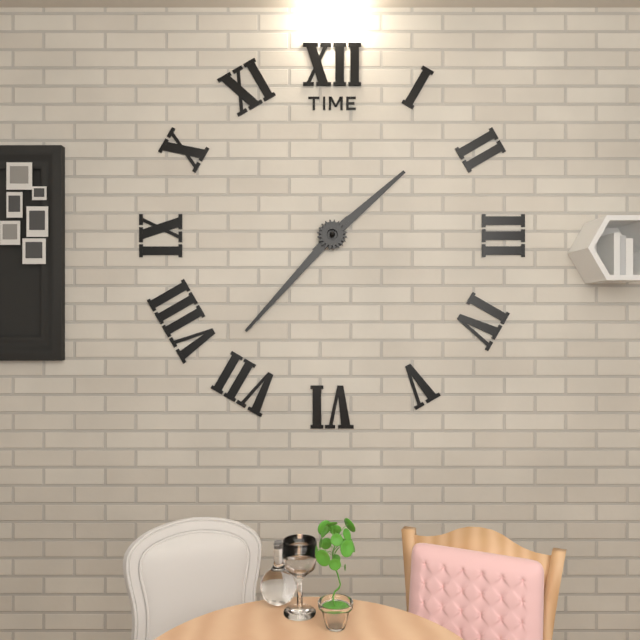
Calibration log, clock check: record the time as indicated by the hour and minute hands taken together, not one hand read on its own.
1:37
